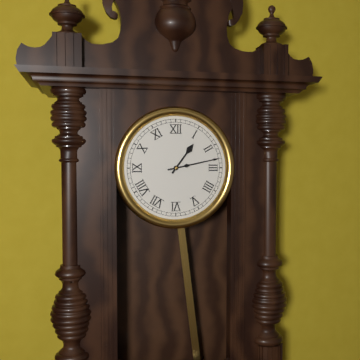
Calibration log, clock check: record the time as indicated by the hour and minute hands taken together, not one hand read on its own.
1:13
